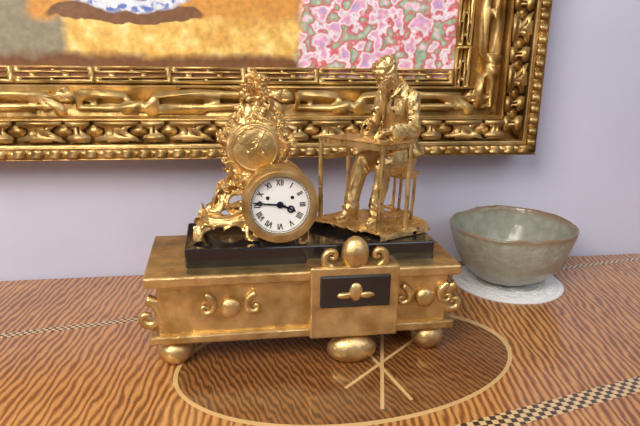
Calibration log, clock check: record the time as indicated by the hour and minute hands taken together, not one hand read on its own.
3:46
